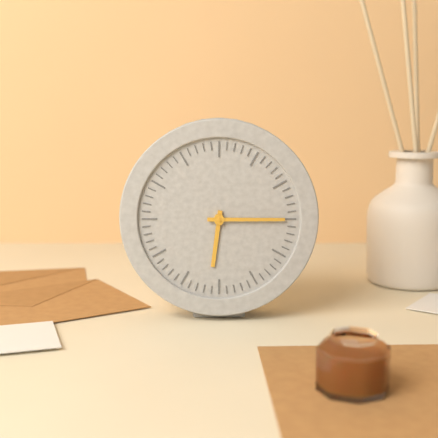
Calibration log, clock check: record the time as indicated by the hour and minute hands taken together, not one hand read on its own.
6:15
